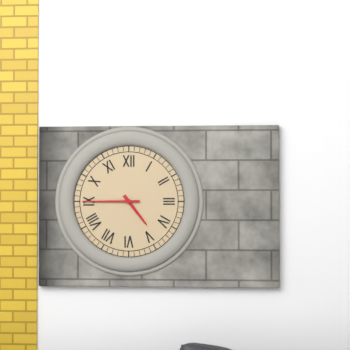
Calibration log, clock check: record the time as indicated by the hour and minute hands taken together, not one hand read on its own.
4:45
